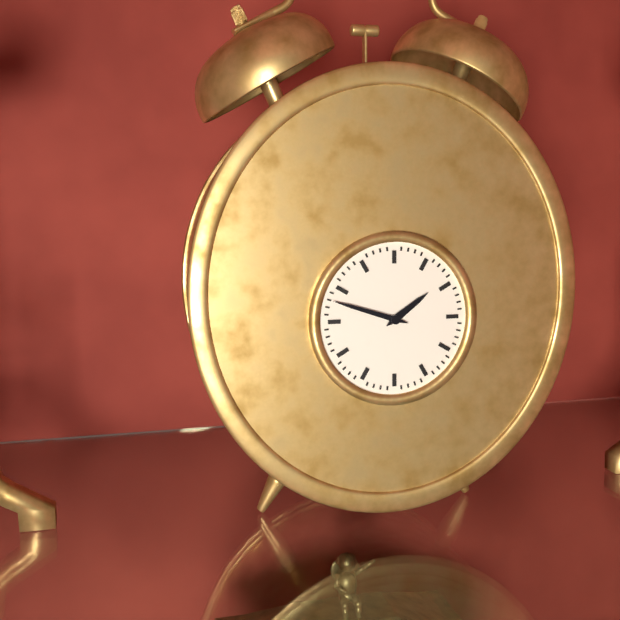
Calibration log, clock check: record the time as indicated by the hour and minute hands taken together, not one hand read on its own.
1:48
